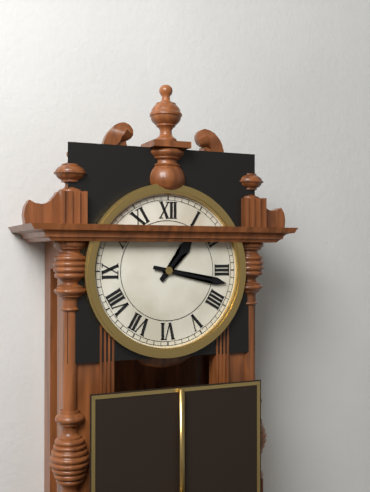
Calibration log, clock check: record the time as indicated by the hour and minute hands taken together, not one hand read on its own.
1:17
